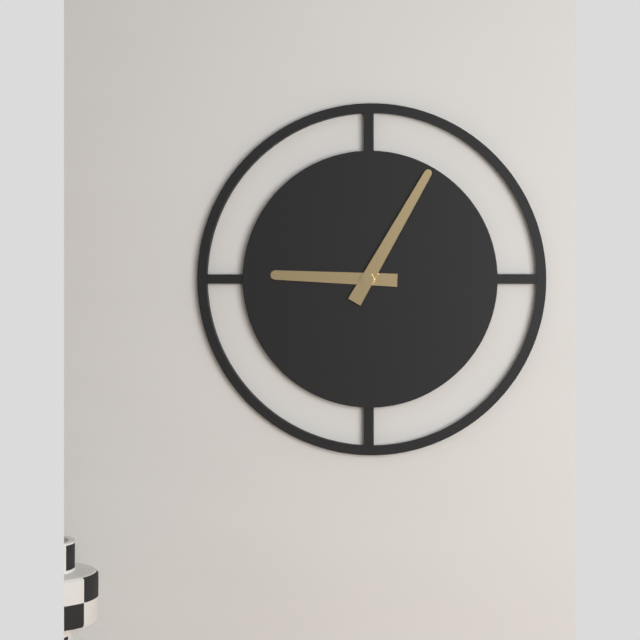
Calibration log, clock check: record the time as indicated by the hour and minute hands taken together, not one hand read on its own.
9:05
